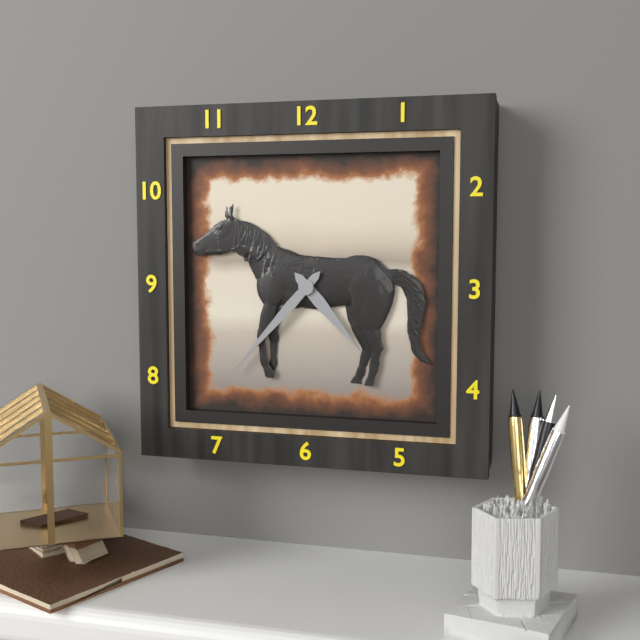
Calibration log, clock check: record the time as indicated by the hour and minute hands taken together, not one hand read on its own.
4:37
